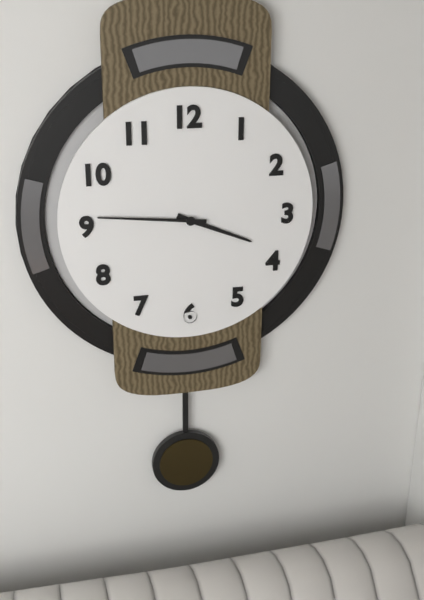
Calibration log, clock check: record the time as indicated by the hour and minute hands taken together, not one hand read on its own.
3:46
